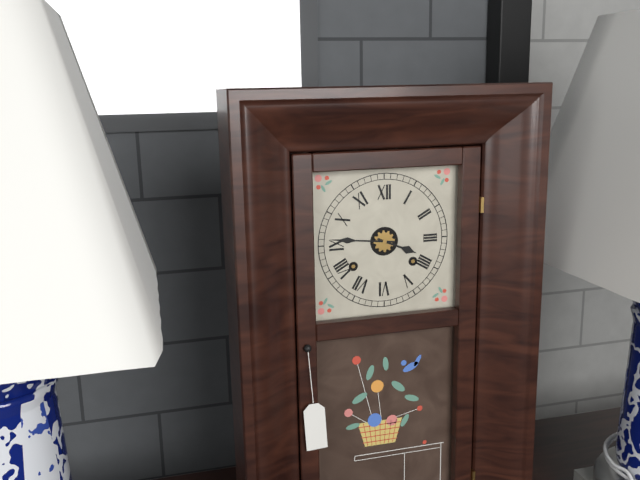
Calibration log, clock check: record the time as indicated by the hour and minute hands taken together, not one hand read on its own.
3:46
